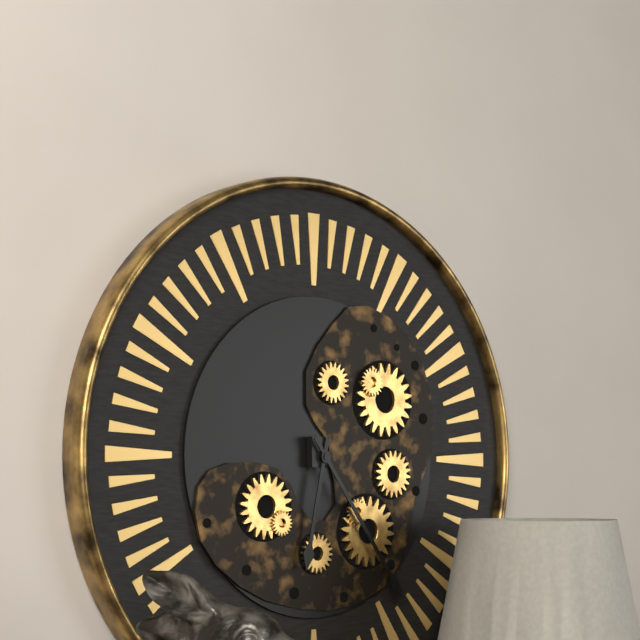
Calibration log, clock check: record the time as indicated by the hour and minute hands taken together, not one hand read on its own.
6:24
